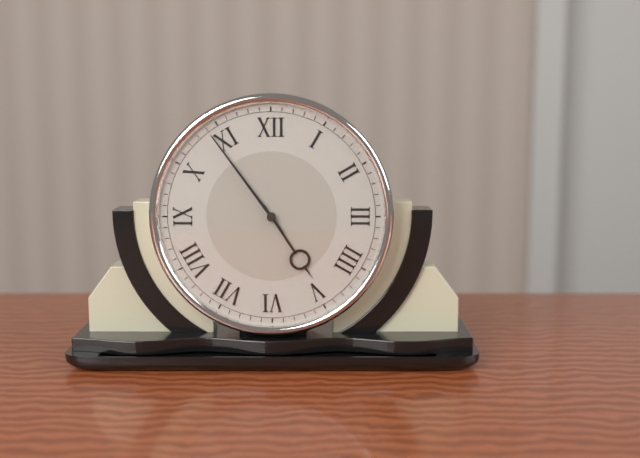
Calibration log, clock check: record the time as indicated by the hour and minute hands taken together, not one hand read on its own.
4:54
